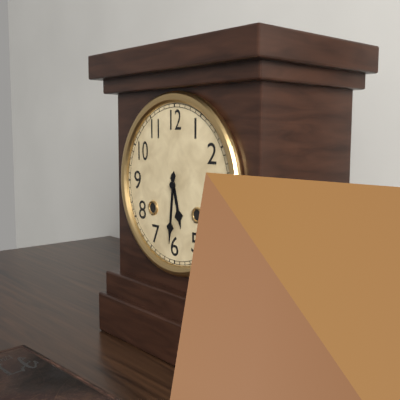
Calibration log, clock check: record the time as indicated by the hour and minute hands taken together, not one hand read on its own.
5:31
